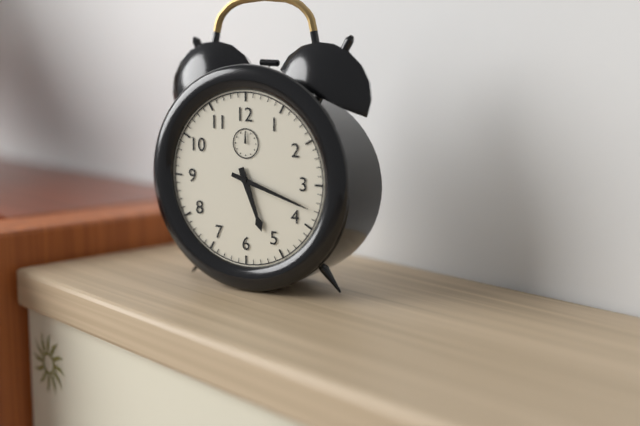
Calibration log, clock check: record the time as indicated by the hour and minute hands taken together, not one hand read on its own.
5:18
